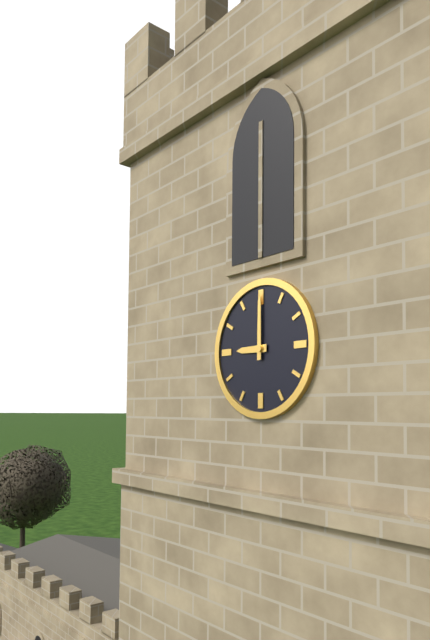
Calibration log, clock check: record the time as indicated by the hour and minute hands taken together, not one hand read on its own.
9:00
